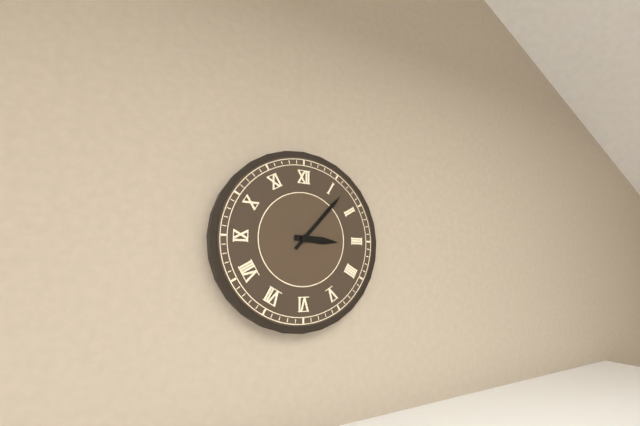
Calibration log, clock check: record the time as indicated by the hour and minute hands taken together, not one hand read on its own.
3:07
